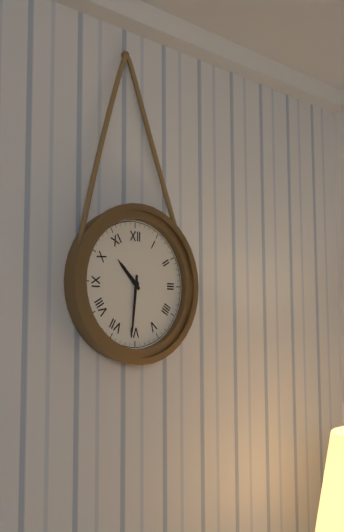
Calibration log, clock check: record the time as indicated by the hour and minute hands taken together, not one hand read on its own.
10:31
